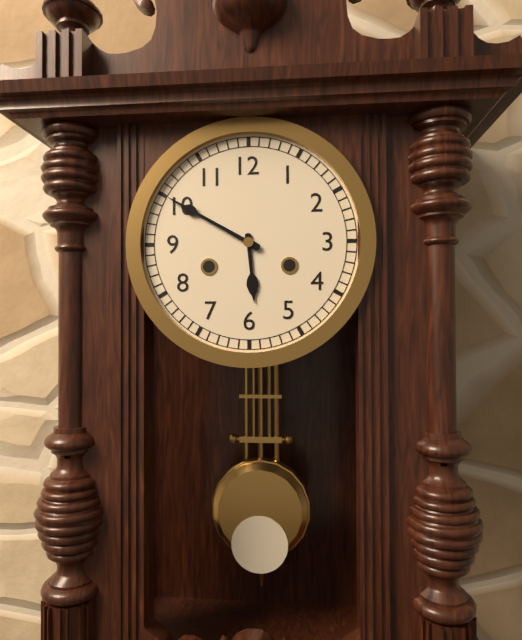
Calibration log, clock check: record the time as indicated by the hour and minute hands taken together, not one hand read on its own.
5:50
